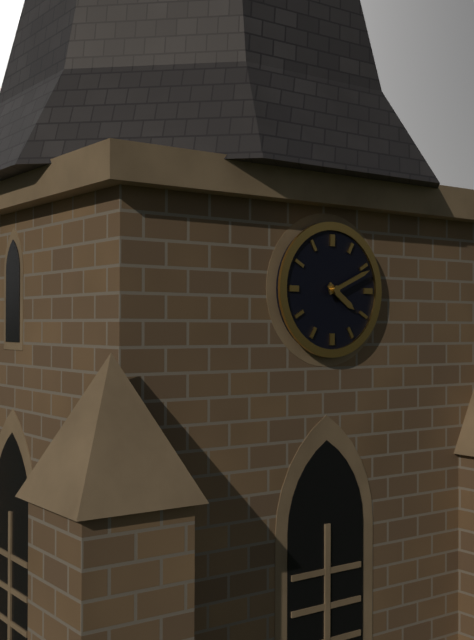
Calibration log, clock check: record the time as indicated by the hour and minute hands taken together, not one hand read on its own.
4:11
